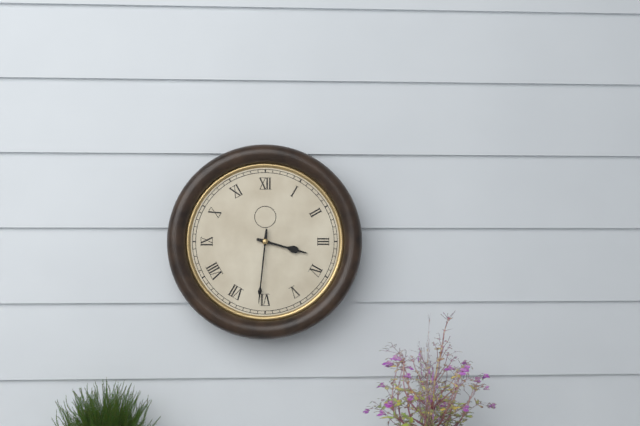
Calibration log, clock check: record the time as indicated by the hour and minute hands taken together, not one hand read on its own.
3:31
